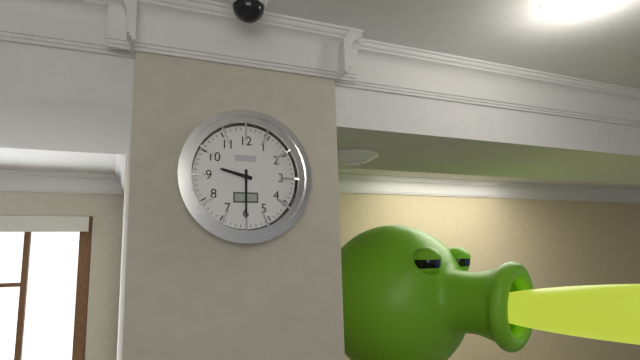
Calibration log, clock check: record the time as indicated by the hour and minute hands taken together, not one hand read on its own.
9:30
